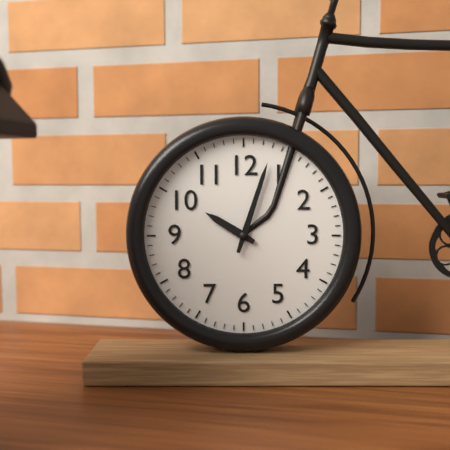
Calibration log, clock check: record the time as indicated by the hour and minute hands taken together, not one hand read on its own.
10:03
